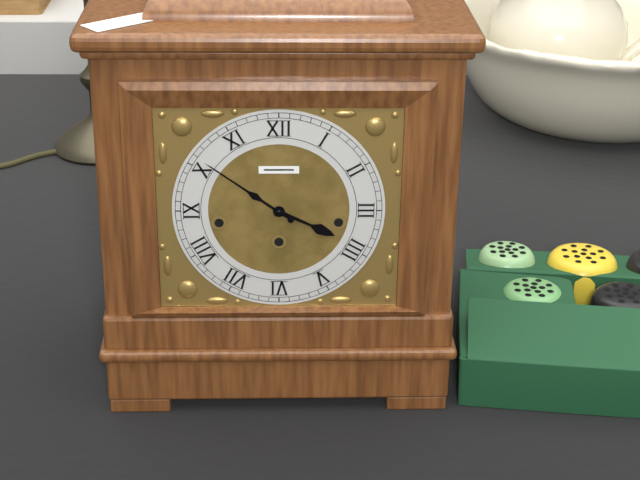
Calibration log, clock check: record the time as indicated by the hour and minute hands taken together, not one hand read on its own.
3:51
